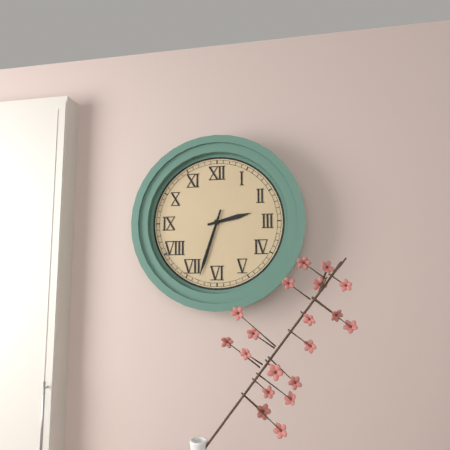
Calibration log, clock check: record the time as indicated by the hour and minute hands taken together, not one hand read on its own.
2:33
